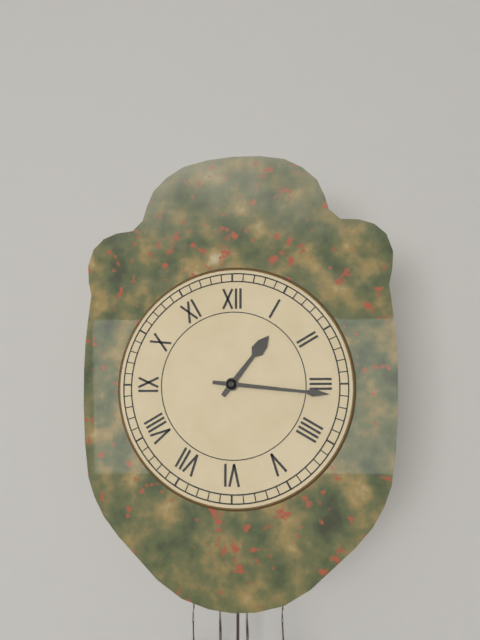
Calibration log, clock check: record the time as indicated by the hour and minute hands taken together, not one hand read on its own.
1:16
